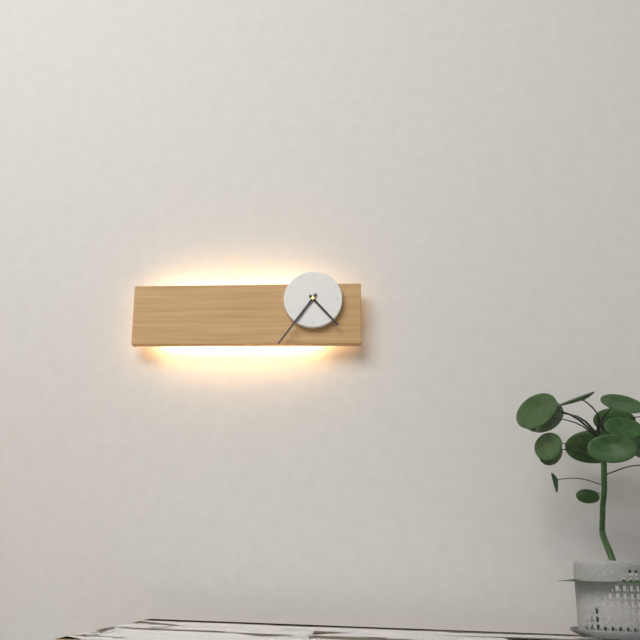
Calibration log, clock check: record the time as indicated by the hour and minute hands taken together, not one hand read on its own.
4:36
